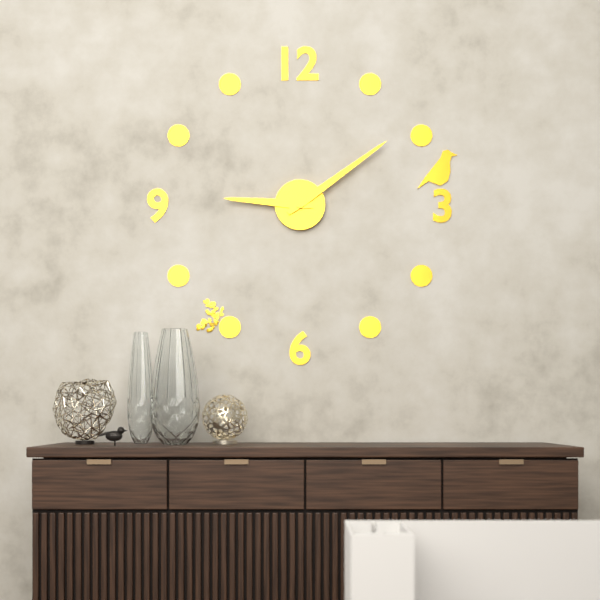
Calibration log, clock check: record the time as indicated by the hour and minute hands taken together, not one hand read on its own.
9:09
